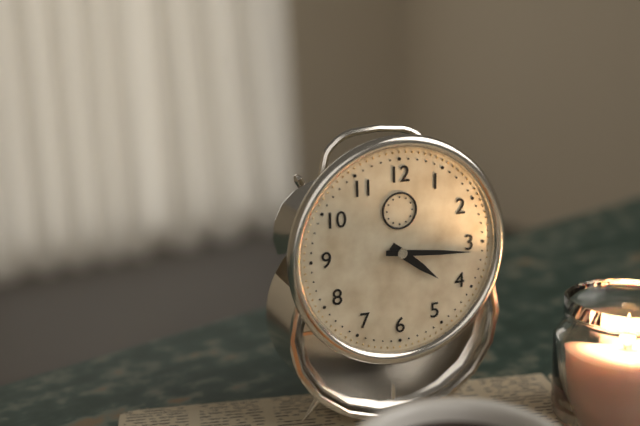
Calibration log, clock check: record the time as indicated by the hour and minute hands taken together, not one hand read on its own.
4:16
